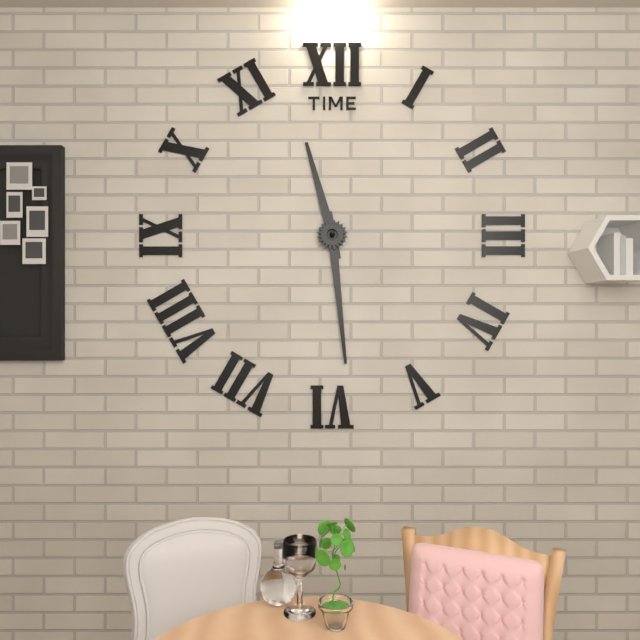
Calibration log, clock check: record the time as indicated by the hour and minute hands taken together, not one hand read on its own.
11:29
